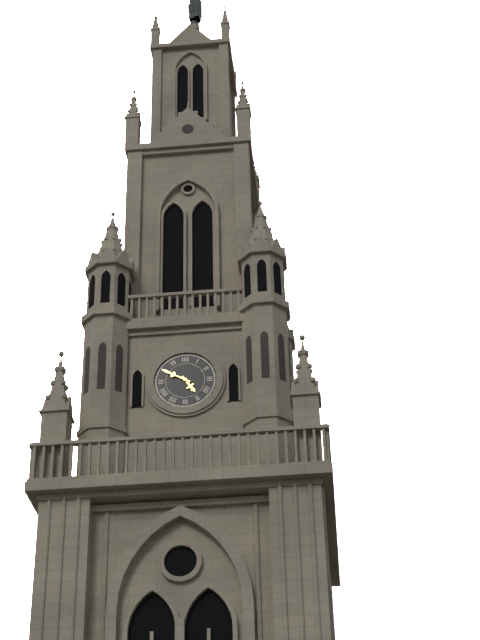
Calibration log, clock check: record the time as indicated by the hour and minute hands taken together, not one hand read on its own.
4:50
